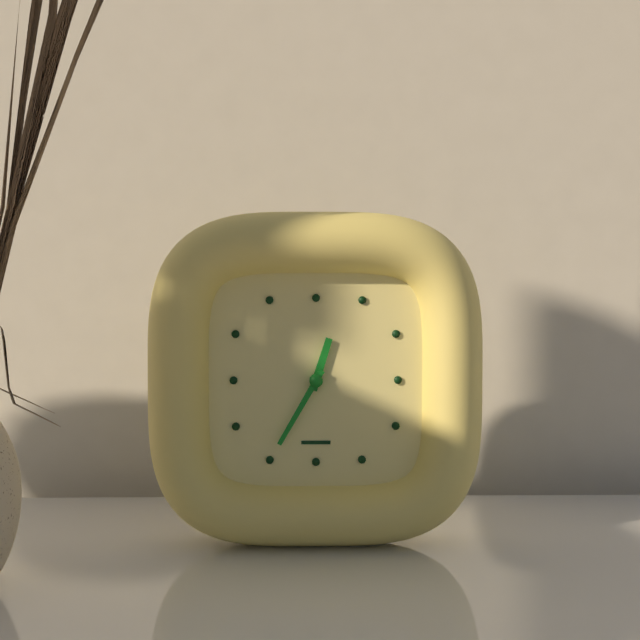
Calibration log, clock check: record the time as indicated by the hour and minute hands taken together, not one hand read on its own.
12:35
